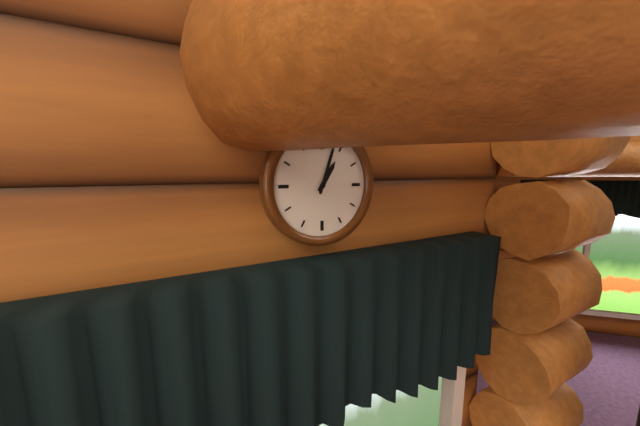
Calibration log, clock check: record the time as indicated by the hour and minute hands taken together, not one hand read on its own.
1:03
